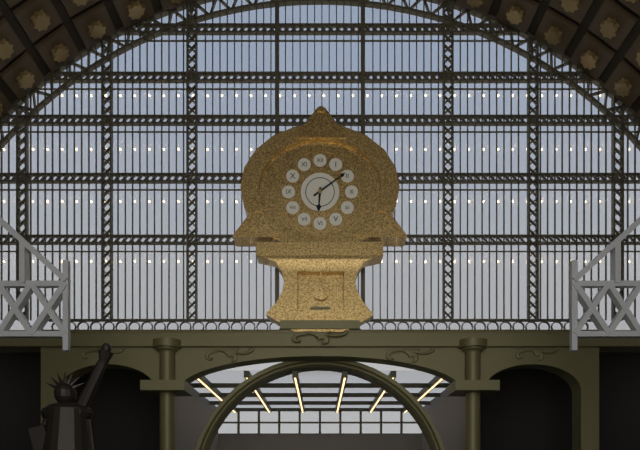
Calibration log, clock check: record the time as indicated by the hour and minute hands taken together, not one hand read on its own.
6:09
